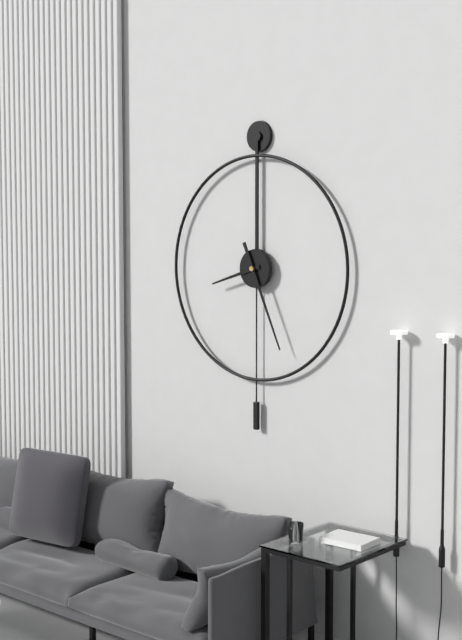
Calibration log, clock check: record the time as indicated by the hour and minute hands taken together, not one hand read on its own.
8:26
